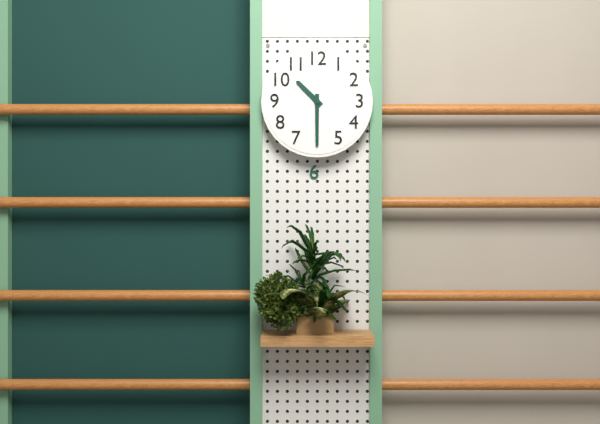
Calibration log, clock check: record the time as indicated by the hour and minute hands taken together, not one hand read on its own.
10:30
